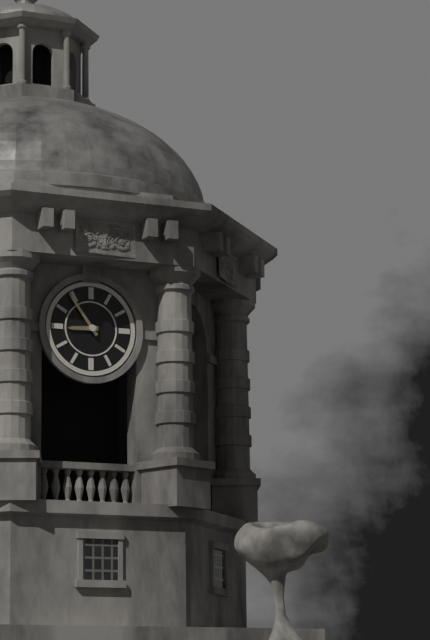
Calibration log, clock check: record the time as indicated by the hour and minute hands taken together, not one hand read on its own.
8:54
